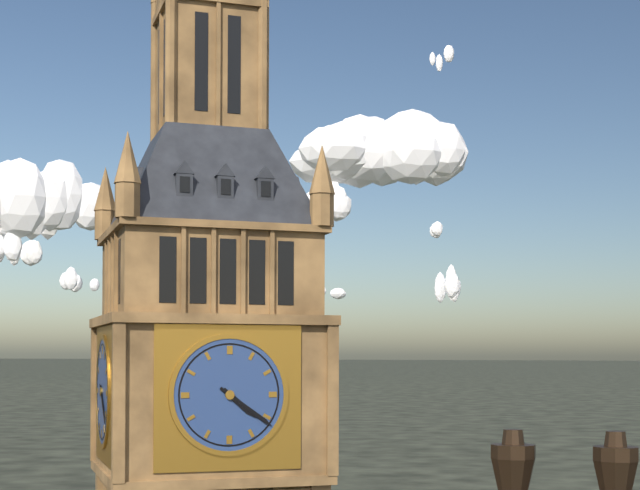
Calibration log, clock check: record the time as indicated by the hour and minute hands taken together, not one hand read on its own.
4:21
